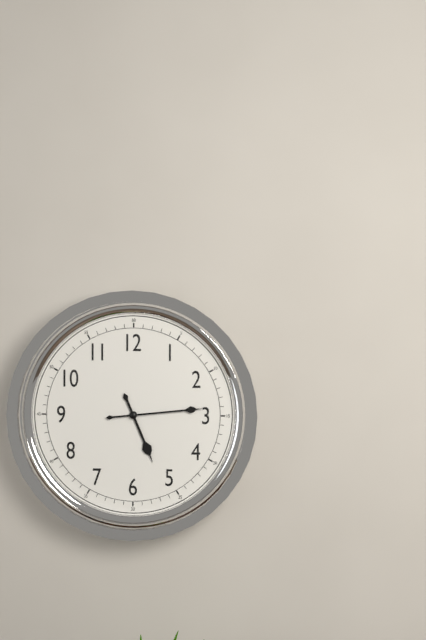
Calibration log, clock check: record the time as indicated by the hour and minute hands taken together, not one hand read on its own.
5:14
